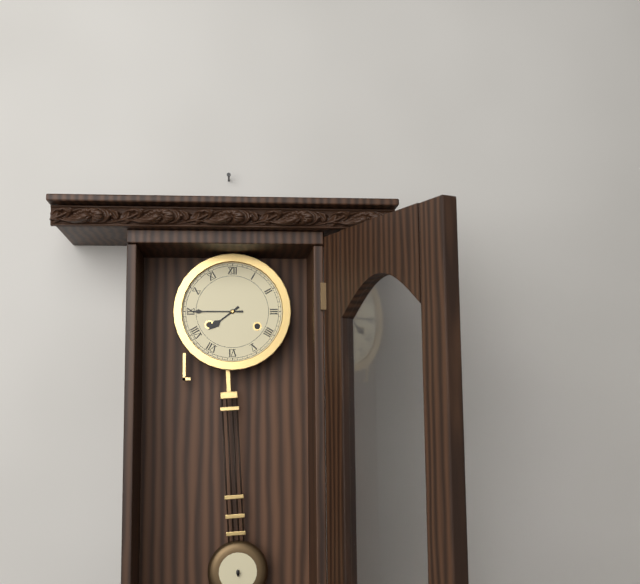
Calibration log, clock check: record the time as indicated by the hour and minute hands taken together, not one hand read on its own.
7:45
